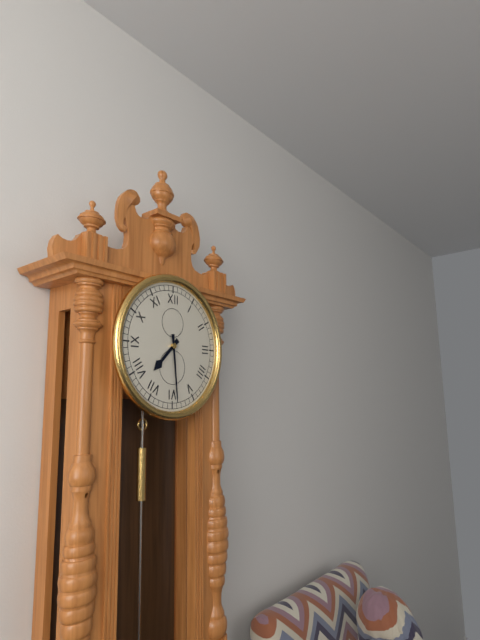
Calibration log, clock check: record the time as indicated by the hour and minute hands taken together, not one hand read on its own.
7:29
